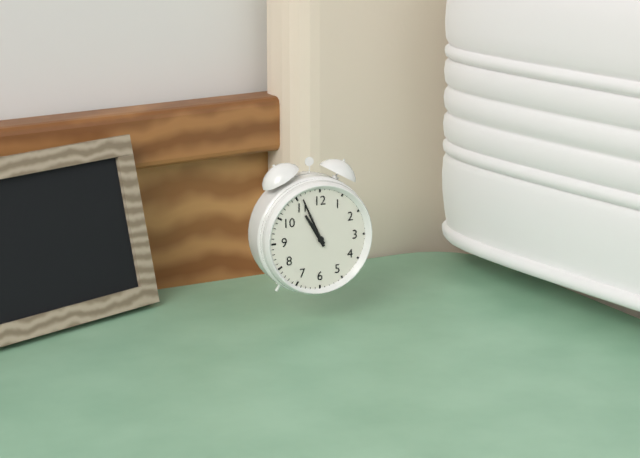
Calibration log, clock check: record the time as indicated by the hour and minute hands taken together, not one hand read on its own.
10:56
